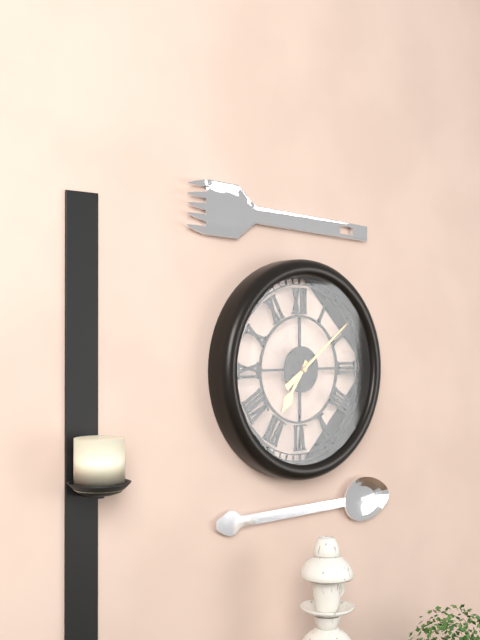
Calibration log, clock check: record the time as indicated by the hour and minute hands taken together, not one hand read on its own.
7:09
